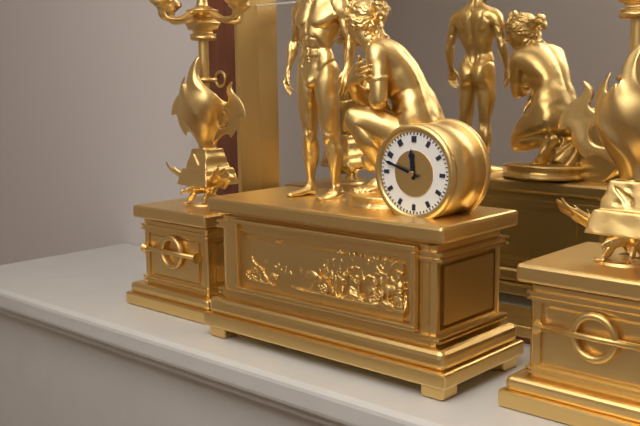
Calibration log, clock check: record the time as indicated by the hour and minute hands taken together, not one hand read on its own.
11:48
